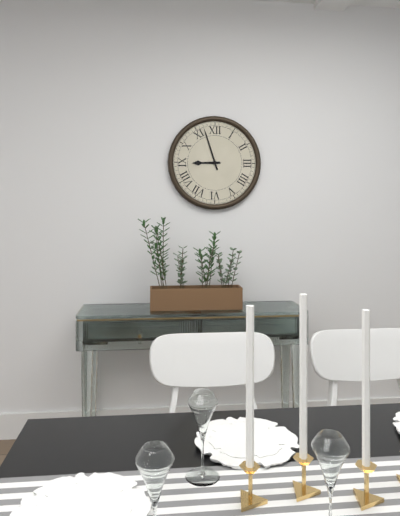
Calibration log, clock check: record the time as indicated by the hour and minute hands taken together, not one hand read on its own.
8:57
